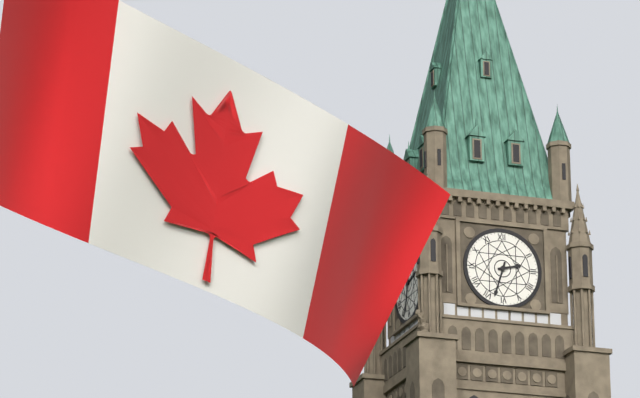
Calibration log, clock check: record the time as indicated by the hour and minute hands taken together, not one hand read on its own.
2:33
